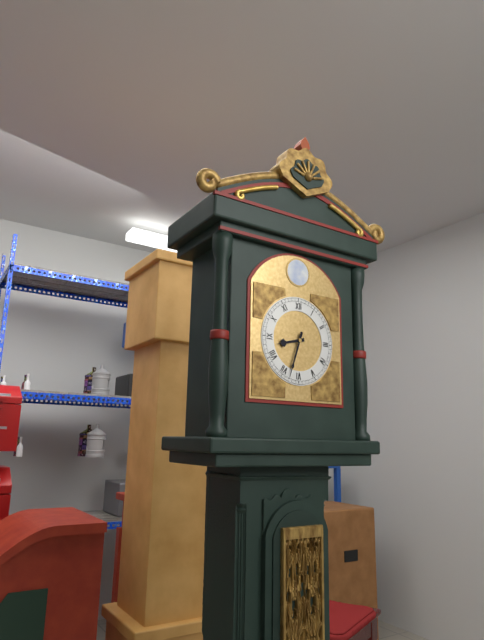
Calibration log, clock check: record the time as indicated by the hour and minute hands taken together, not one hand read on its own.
8:33
